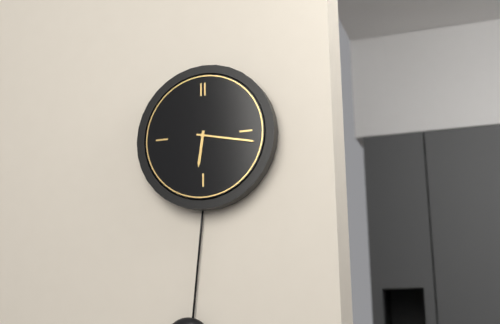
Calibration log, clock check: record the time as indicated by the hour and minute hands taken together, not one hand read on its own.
6:17
